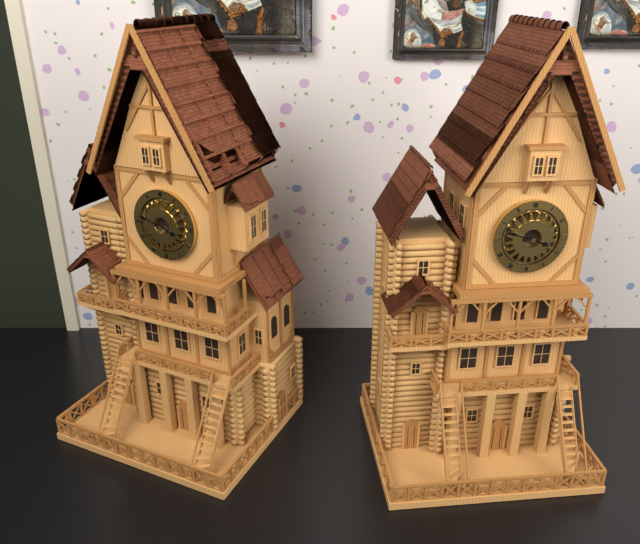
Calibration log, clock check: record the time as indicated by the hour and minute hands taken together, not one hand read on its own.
3:48
